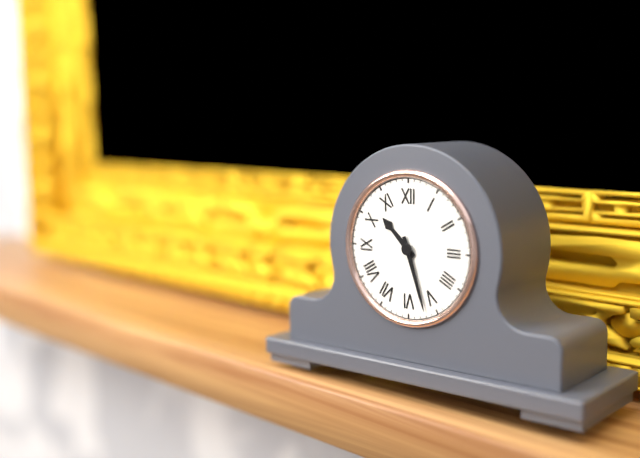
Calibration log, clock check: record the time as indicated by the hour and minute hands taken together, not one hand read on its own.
10:27
